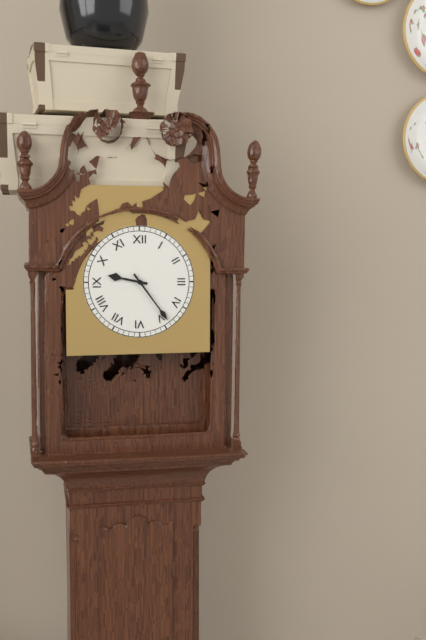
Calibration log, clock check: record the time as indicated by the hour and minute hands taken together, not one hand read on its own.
9:24
